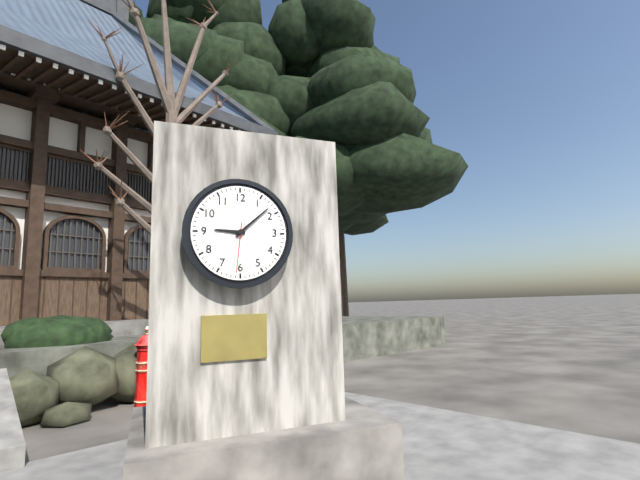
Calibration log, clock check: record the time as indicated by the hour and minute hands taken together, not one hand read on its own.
9:08
